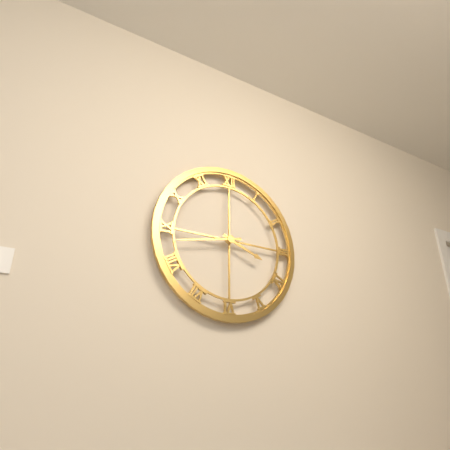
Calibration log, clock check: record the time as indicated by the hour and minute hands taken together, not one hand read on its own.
3:43
